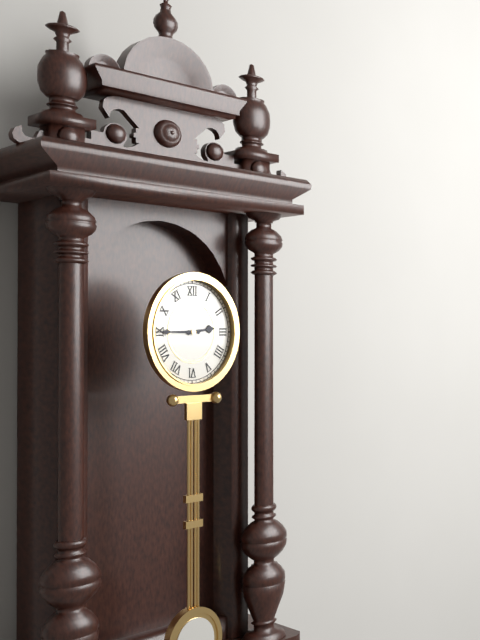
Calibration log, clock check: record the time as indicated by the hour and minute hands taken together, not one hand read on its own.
2:45
